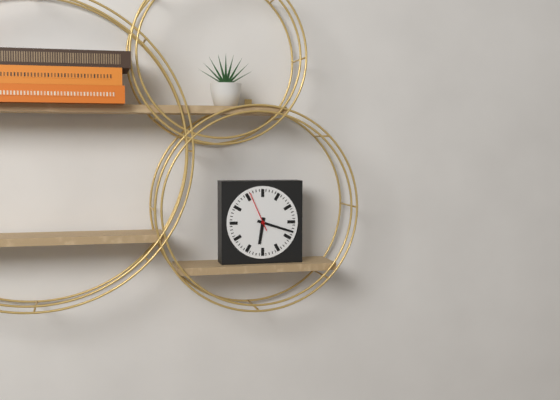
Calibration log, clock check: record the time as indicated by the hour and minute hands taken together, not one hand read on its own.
6:18
